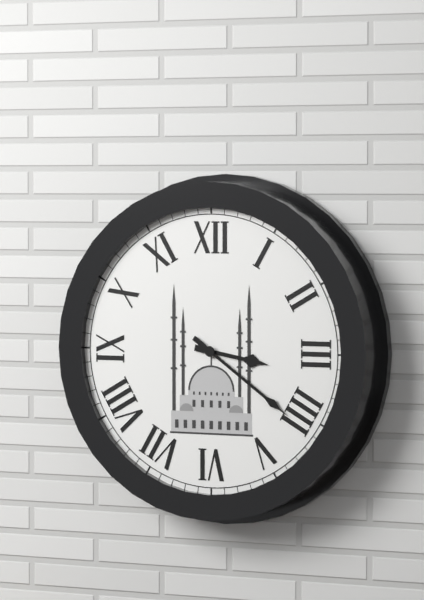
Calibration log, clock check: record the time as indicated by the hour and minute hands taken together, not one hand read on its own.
3:21
